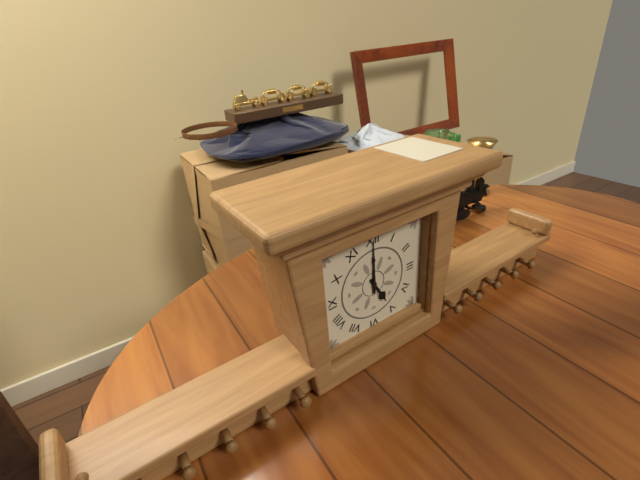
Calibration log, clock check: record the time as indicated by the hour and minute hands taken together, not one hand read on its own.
5:00
